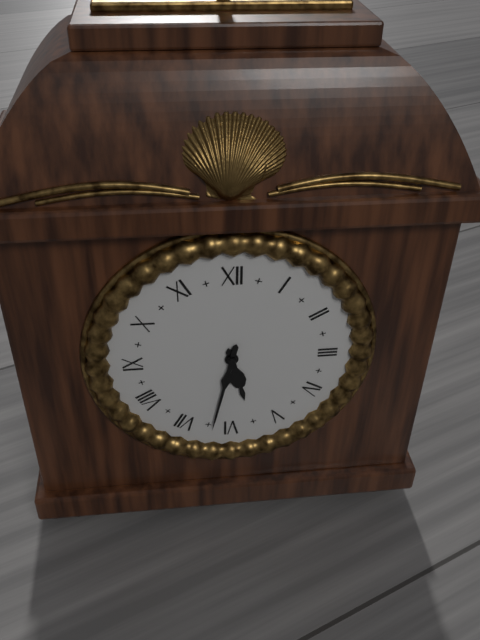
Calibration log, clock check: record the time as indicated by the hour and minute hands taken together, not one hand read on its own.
5:32
